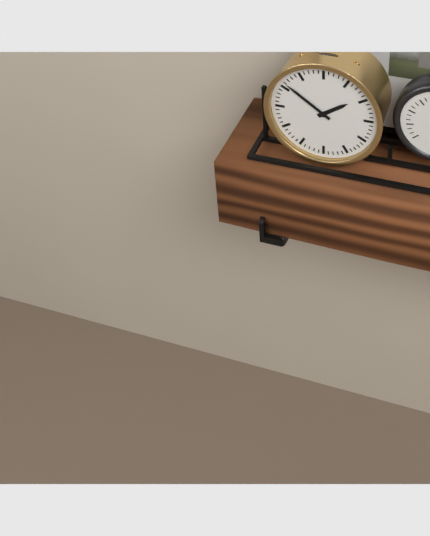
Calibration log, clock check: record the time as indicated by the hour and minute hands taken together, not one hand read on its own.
1:51
